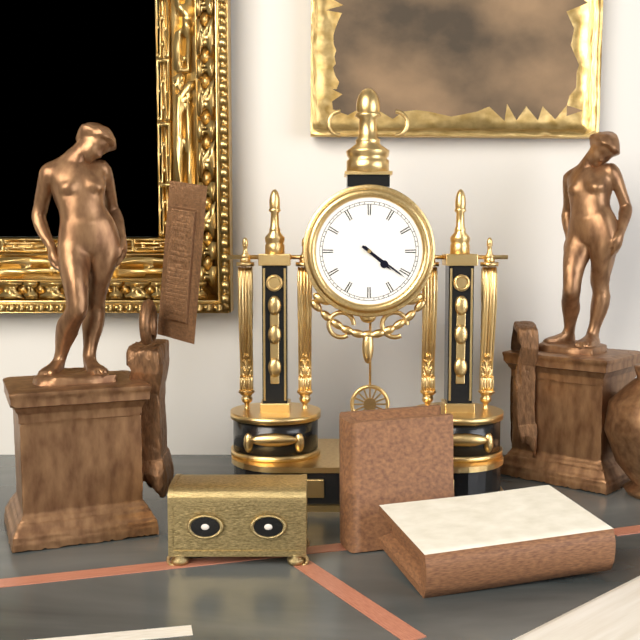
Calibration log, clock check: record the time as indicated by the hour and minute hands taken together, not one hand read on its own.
4:21
